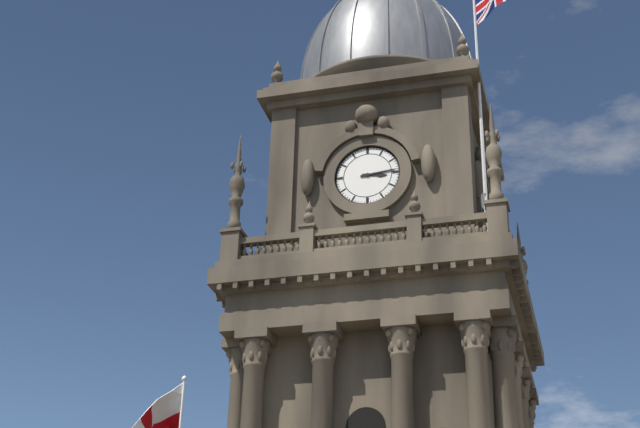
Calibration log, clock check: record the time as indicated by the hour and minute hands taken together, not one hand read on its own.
3:14
